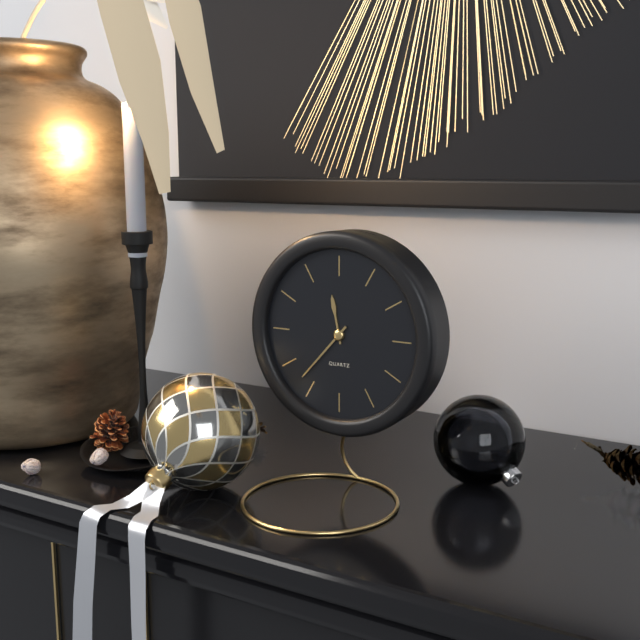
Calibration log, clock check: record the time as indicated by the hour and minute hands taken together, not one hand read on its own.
11:37
